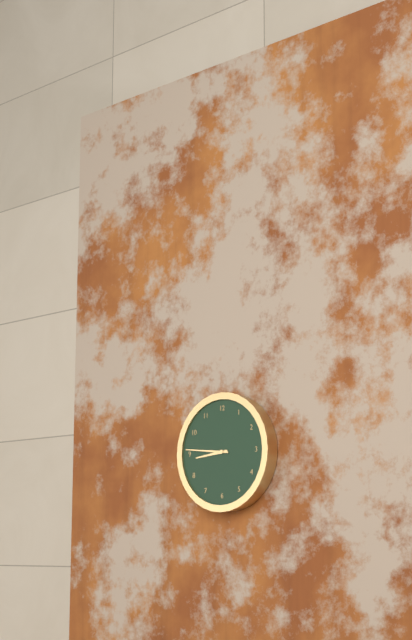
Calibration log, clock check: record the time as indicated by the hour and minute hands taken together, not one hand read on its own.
8:46
